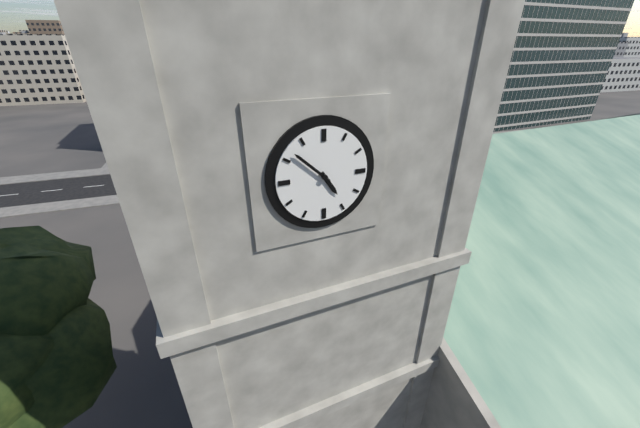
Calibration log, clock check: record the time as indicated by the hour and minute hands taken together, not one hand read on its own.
4:52
